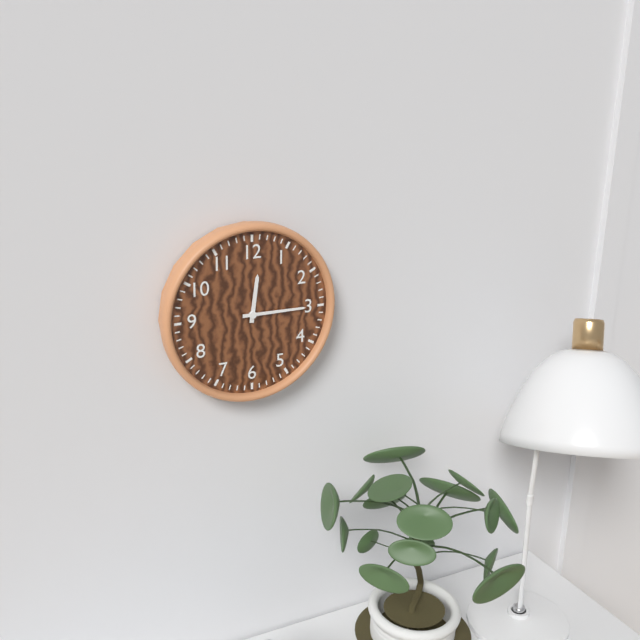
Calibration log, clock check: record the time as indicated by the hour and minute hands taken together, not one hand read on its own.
12:15
